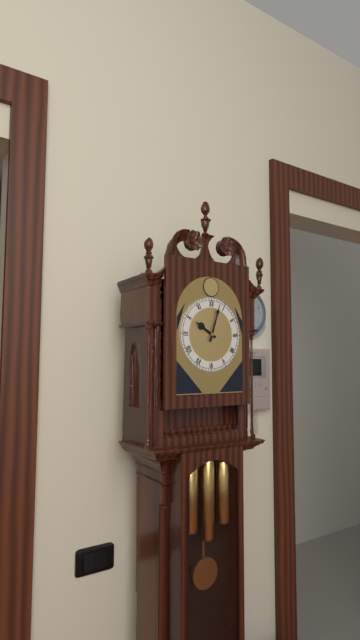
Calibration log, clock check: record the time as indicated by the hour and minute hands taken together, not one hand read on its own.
10:03
